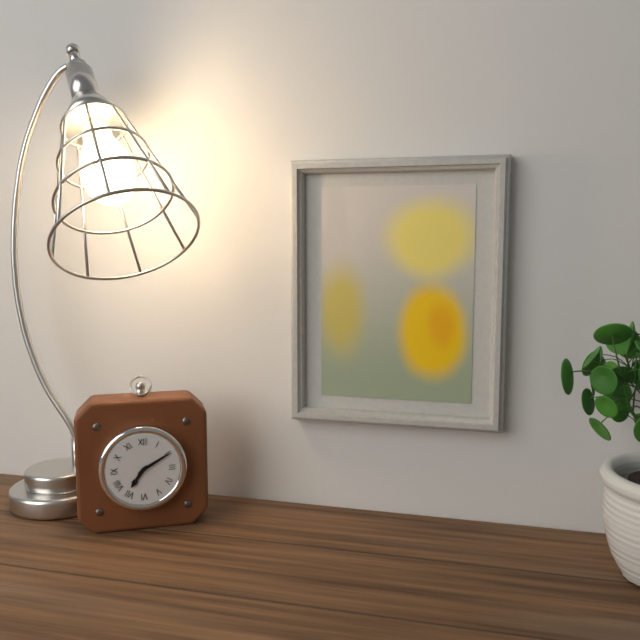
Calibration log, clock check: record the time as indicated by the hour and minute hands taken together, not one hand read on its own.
7:10
